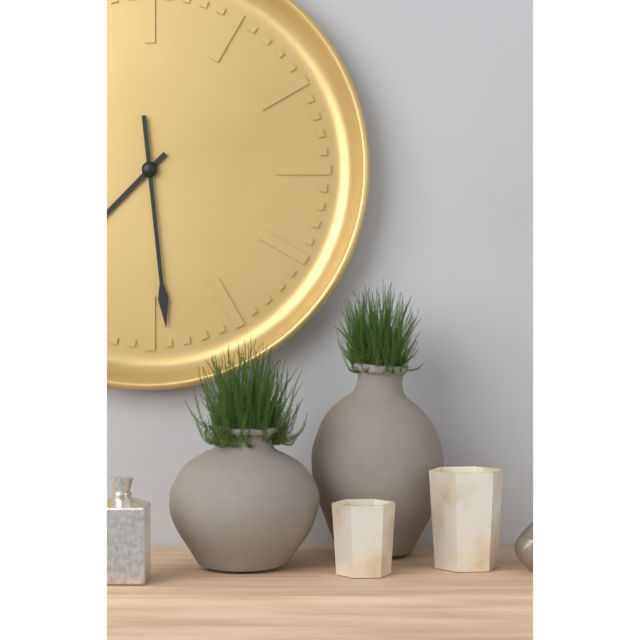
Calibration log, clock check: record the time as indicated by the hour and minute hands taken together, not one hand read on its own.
7:29
